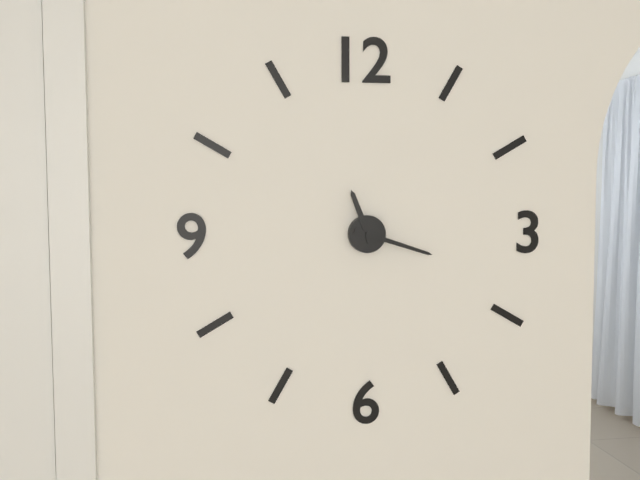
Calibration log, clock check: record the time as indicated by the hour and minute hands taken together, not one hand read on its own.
11:18
